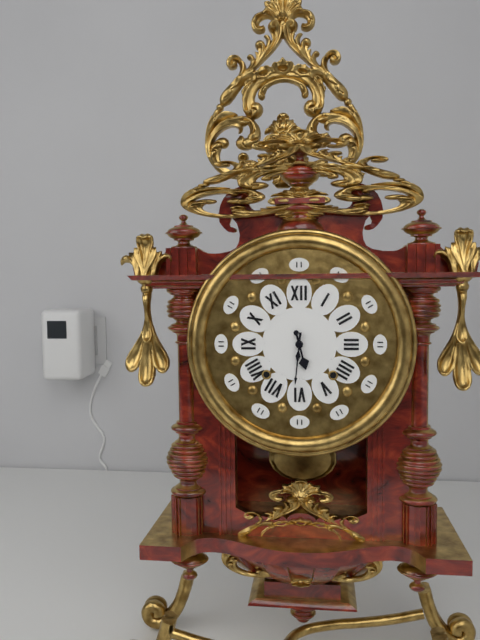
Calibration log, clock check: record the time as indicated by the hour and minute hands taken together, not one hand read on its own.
5:31
